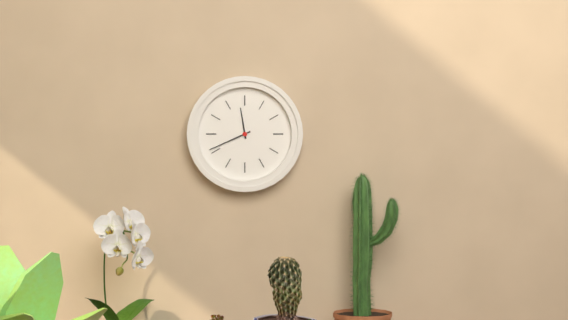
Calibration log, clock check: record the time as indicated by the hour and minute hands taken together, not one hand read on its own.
11:41
